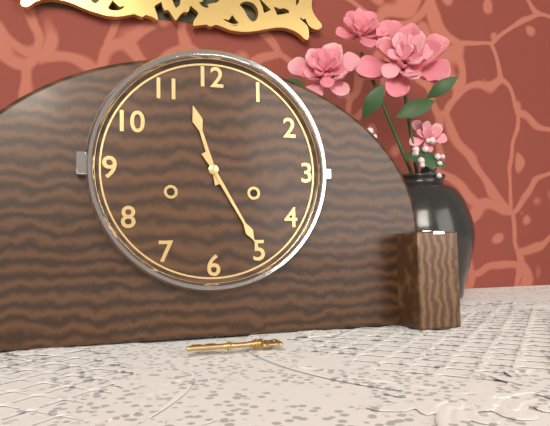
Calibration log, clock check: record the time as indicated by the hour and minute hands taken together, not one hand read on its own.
11:25
